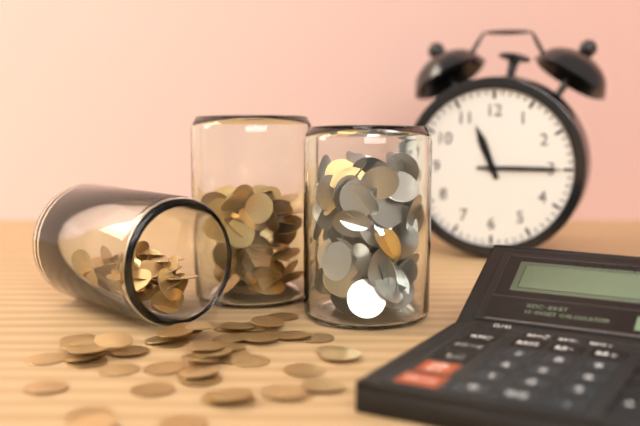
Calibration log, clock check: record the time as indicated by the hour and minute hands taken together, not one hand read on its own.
11:15
